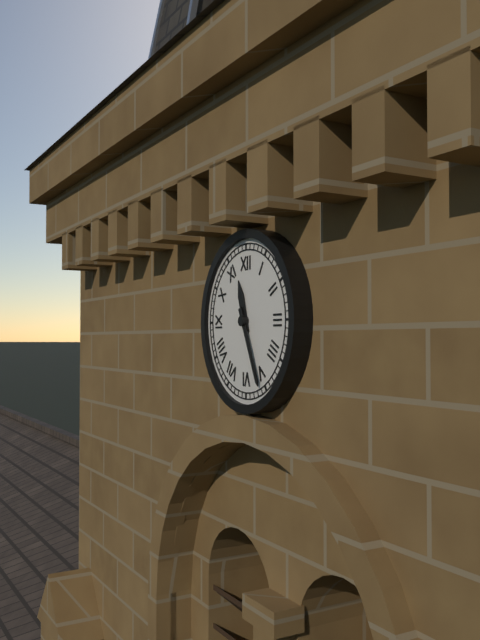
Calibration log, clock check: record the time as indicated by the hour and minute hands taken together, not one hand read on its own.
11:26
